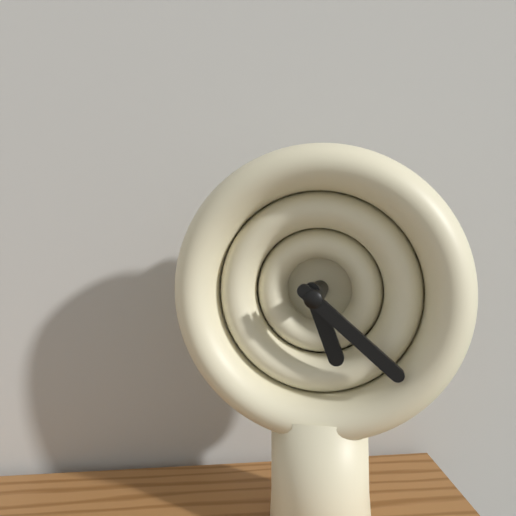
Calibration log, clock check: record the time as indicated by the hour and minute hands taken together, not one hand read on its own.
5:22
